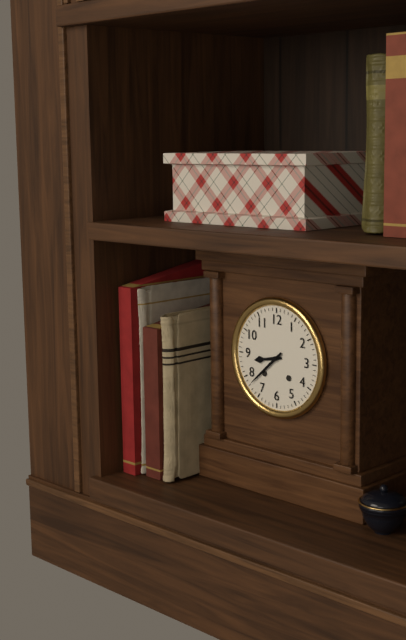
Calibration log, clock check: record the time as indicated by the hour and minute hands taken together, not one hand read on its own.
8:38
